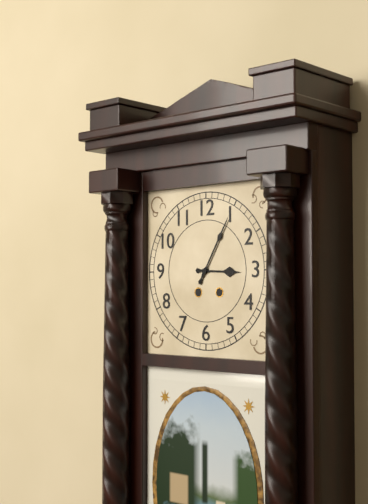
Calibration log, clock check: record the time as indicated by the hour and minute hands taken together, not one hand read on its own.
3:05
